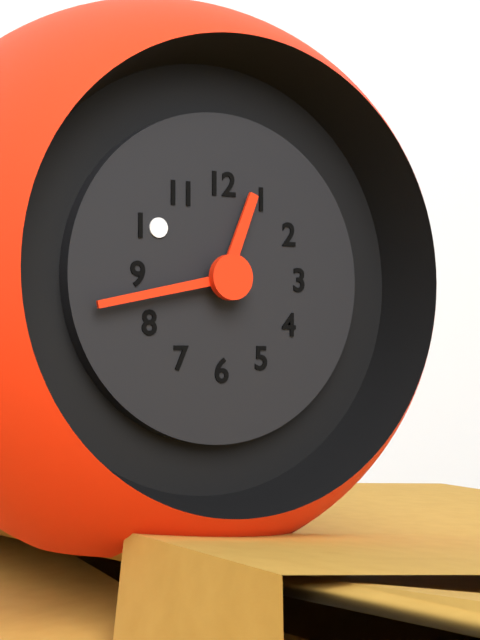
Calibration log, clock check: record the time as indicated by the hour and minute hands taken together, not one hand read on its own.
12:43
